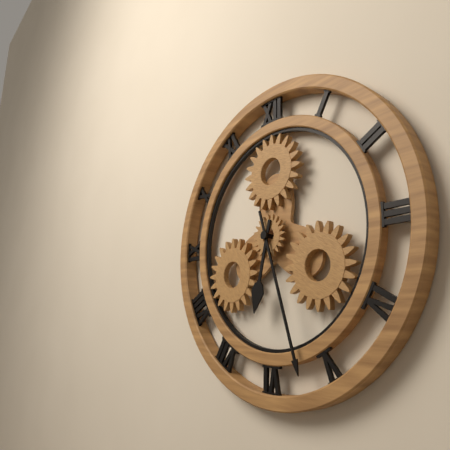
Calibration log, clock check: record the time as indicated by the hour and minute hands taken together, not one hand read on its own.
6:27
